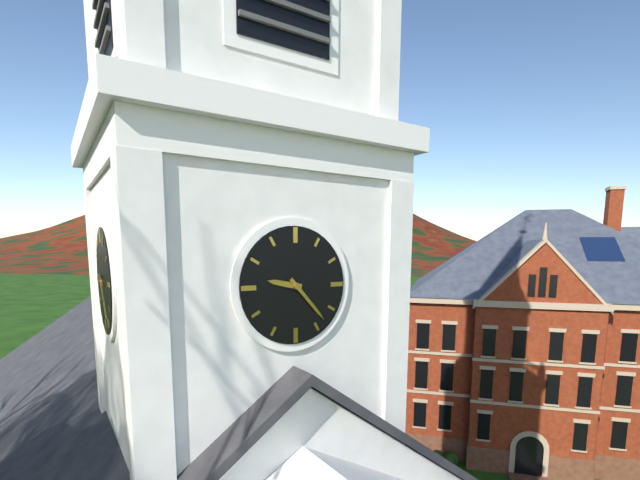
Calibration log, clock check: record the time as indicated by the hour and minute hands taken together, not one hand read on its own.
9:23
